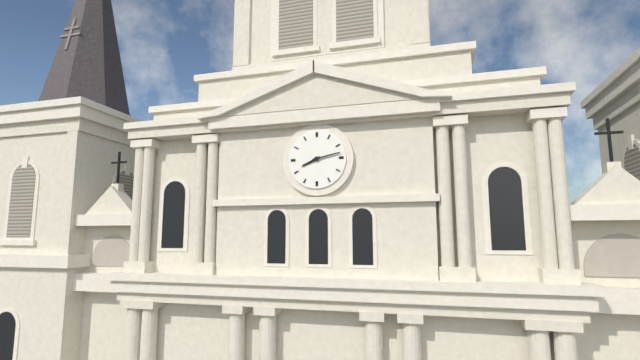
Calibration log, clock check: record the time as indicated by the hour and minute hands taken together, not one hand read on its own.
8:13
